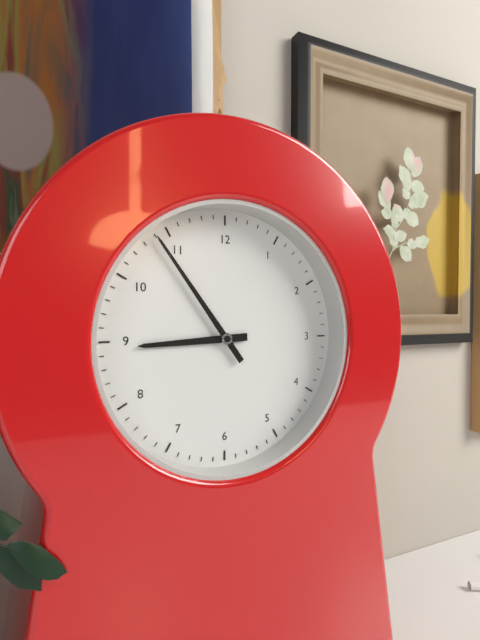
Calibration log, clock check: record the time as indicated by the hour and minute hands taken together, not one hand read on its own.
8:54
